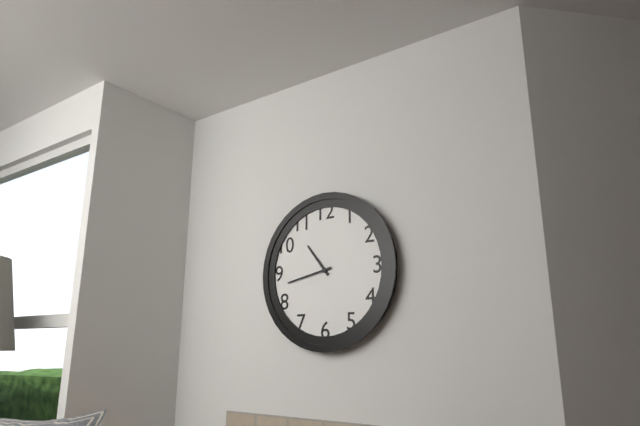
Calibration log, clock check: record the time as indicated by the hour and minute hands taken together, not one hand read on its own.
10:43
